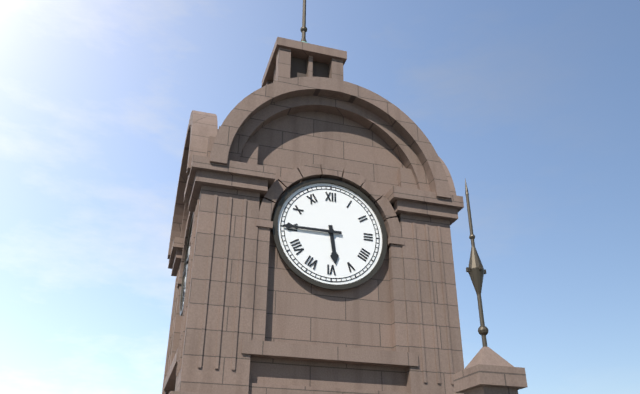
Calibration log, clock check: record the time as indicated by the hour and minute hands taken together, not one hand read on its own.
5:45
